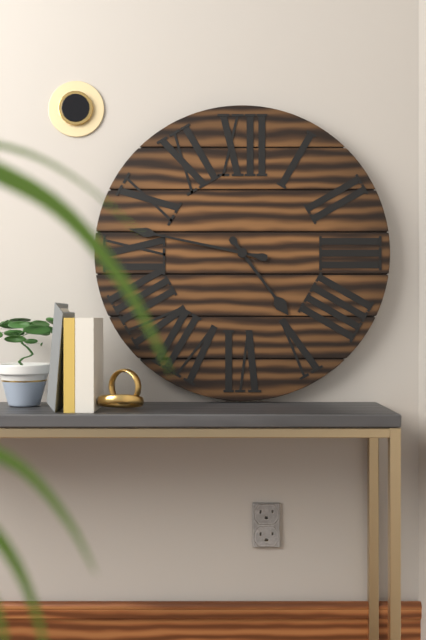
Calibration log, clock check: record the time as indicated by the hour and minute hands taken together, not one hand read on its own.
4:47
